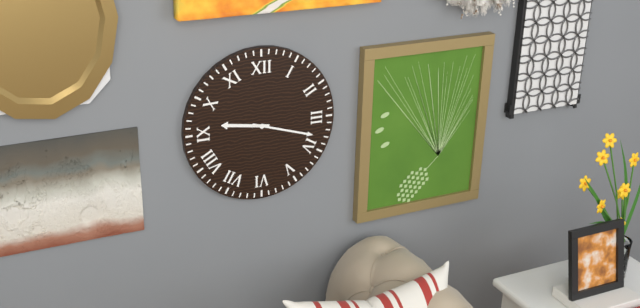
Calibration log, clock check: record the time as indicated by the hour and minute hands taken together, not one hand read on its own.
9:18
